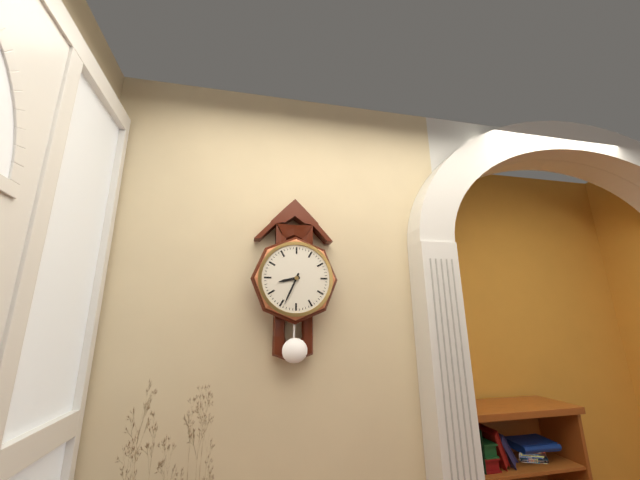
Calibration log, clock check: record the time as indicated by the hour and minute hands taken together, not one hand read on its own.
8:34
